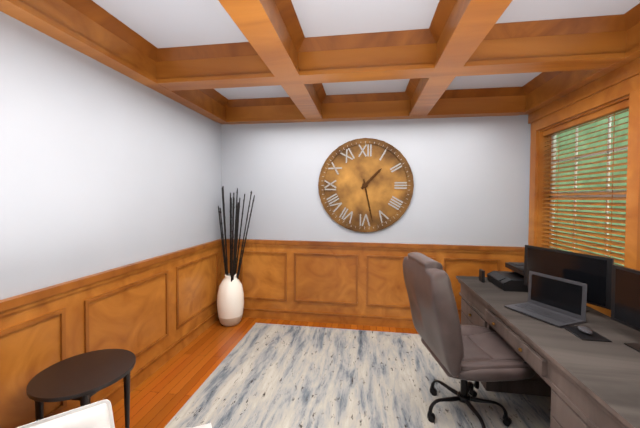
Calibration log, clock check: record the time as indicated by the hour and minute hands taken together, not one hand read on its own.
1:28
